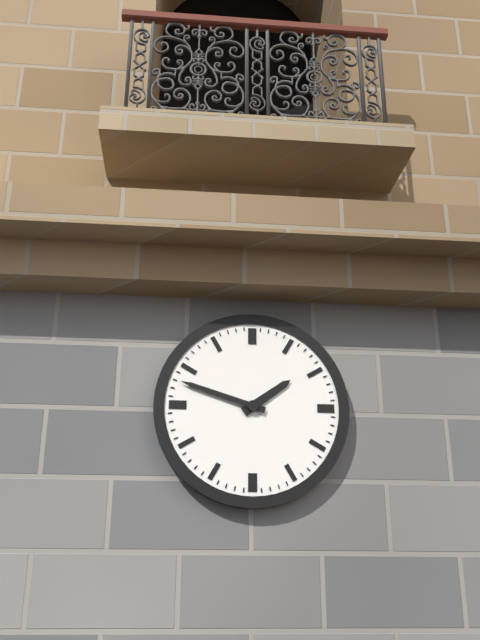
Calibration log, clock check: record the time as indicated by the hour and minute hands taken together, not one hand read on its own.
1:48
